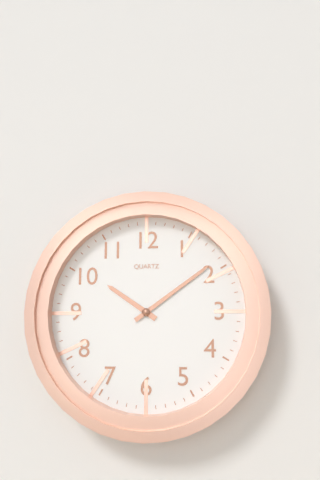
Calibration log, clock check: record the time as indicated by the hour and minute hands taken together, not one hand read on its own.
10:09
